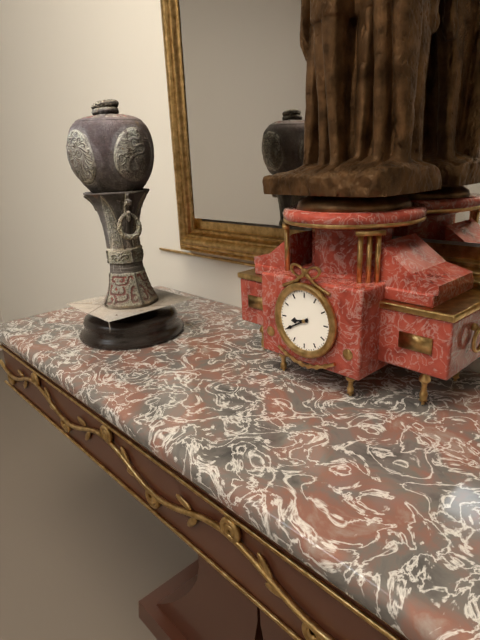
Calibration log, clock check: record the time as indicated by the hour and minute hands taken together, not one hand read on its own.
8:40
